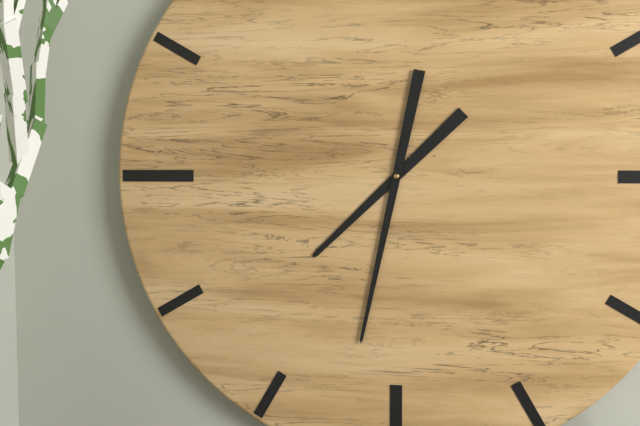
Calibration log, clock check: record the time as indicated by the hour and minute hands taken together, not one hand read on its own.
7:32
